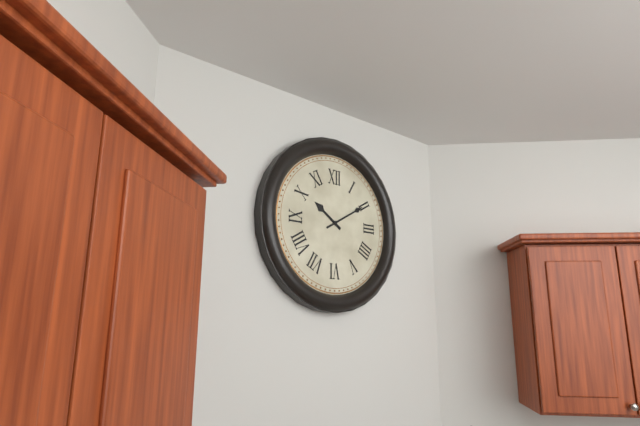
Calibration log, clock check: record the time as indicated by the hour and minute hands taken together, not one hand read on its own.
10:10
